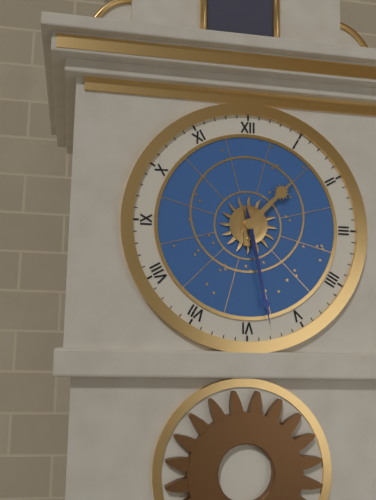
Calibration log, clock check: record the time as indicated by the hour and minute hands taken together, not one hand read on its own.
1:28
